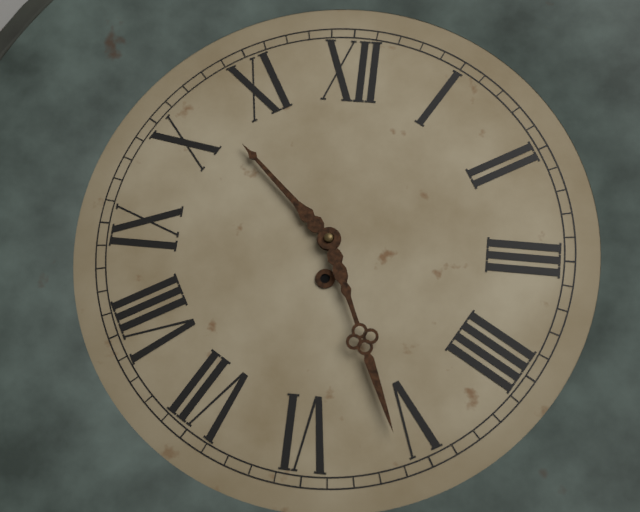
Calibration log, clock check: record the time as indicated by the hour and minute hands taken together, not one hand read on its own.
10:26
